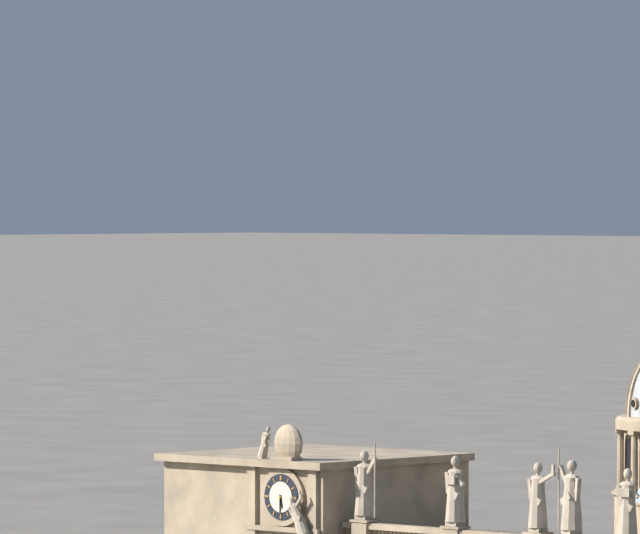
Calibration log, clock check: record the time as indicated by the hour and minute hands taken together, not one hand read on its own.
5:30
